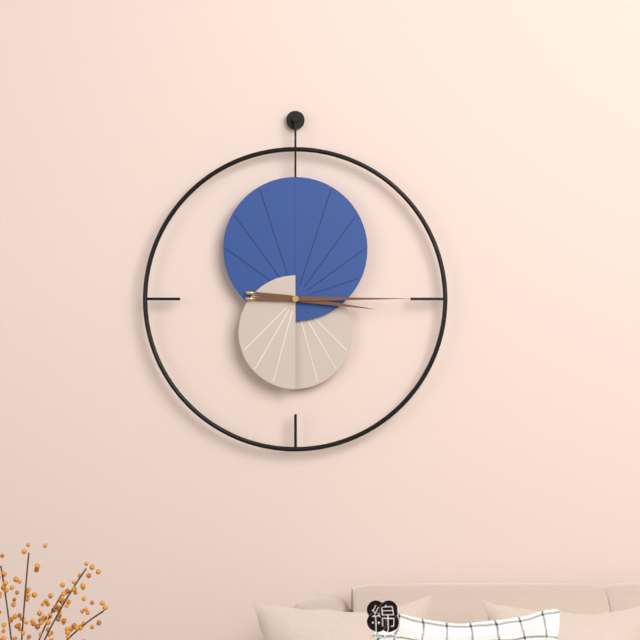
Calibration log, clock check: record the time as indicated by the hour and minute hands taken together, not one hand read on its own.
3:15
